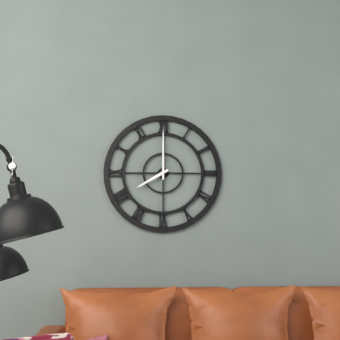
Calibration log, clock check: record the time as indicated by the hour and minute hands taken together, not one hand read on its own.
8:00
